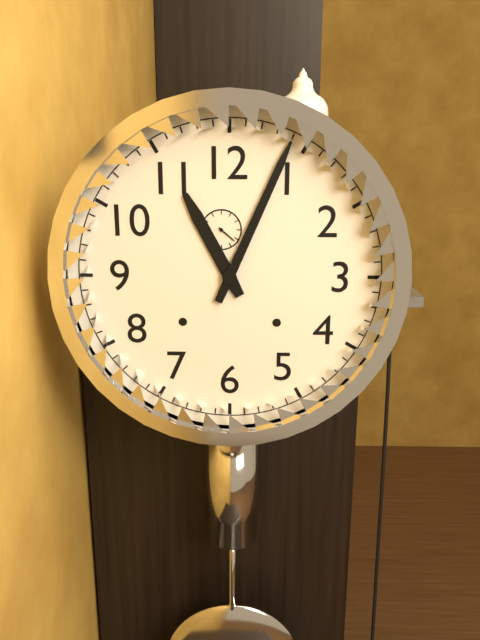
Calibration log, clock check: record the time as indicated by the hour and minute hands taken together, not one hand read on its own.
11:04
